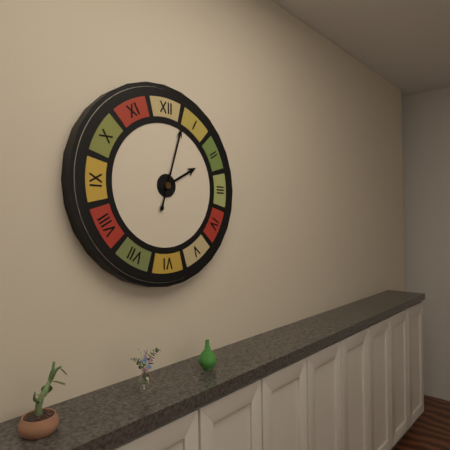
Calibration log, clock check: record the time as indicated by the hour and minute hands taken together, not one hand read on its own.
2:03
